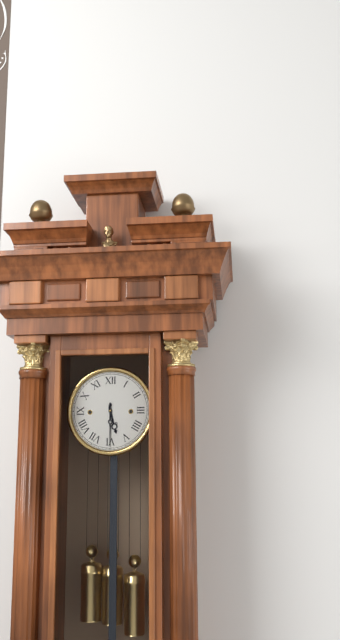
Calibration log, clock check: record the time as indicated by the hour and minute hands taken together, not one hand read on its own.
5:30
